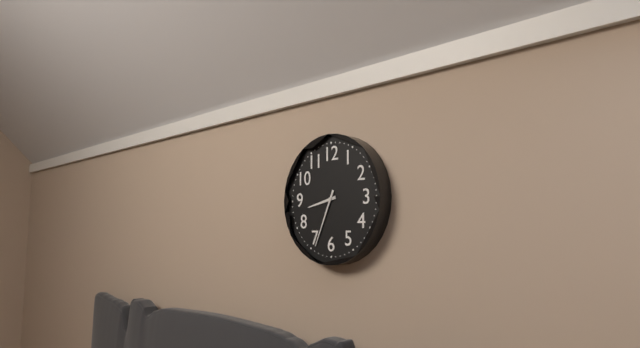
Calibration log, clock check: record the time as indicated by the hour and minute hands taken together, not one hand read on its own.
8:34
